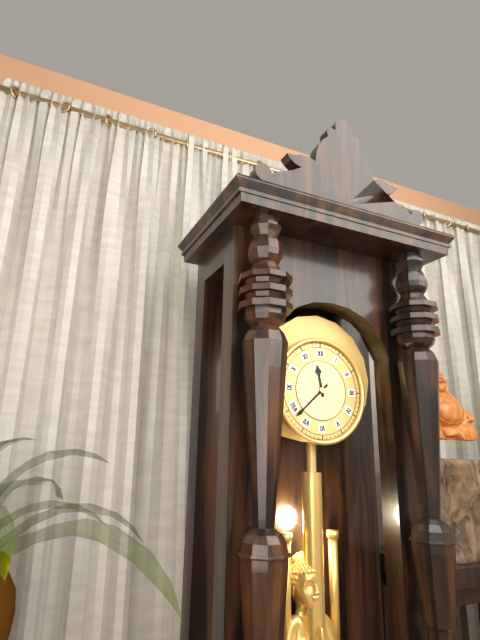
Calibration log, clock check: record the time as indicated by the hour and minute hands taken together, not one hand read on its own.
11:38
